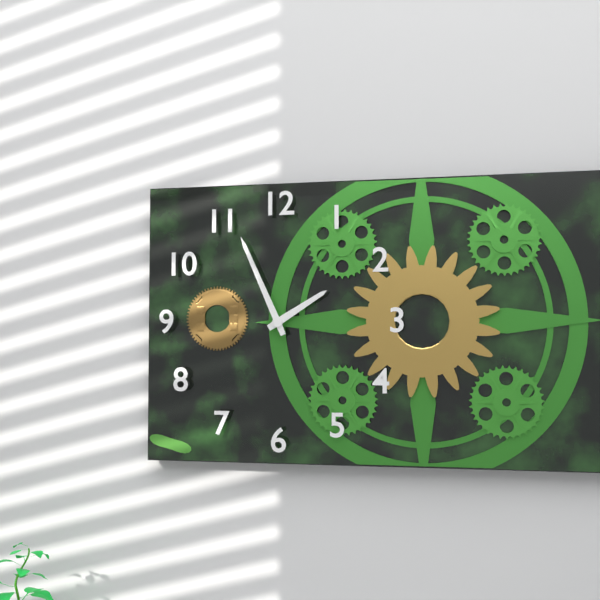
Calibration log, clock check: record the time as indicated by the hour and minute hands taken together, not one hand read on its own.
1:56
